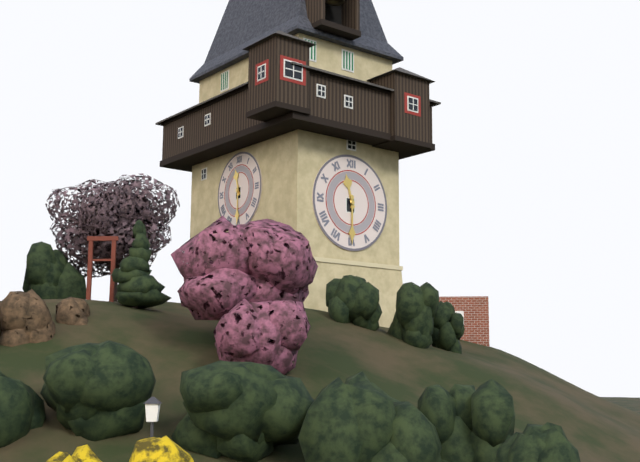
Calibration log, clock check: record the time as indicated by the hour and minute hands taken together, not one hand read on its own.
11:30
